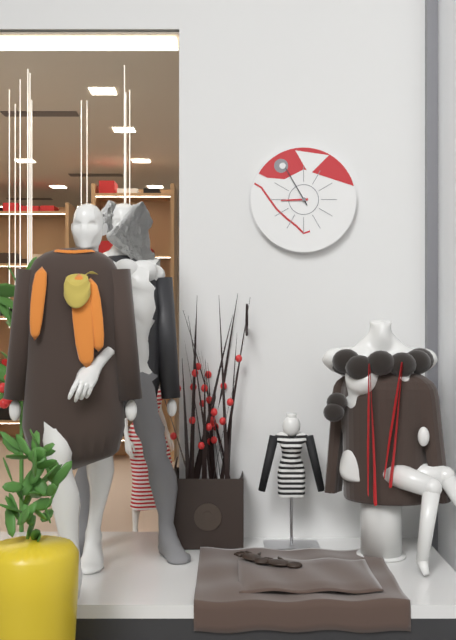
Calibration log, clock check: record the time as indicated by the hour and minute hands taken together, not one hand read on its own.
8:55
